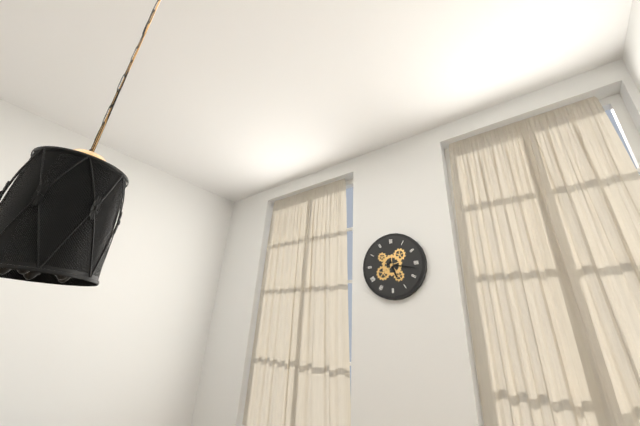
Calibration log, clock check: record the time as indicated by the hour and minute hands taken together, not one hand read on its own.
5:17
